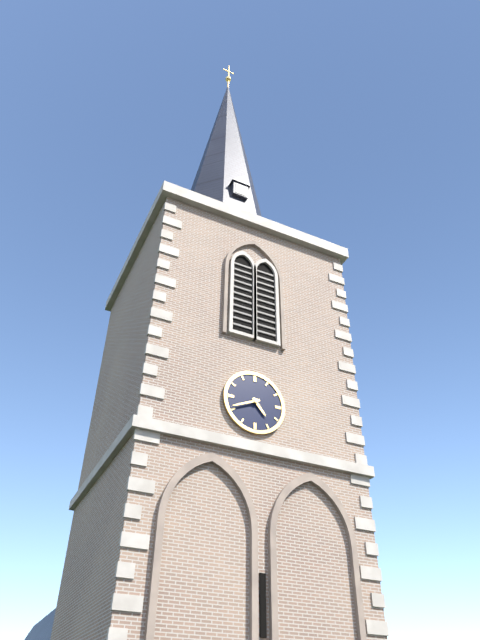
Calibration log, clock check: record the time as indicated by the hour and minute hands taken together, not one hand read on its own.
4:41
